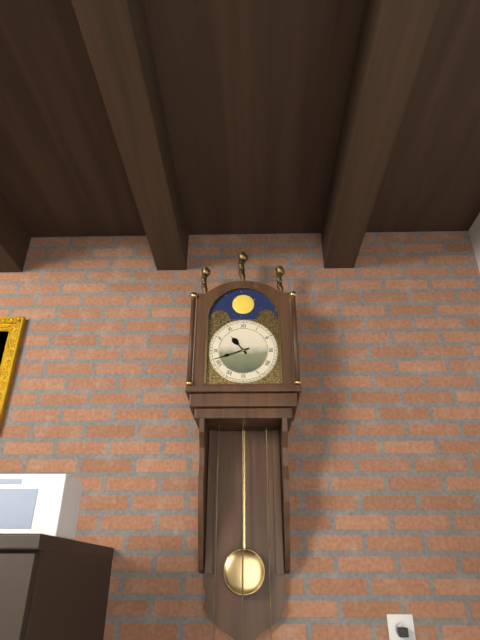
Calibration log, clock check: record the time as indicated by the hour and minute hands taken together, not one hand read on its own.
10:42
